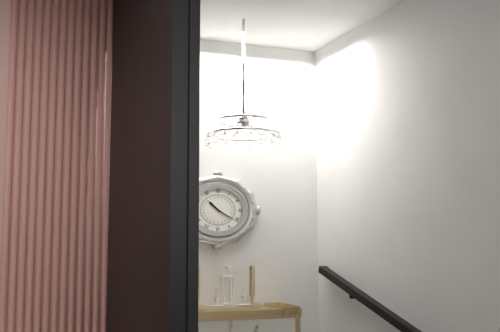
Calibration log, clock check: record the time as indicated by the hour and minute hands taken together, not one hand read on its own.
10:20
